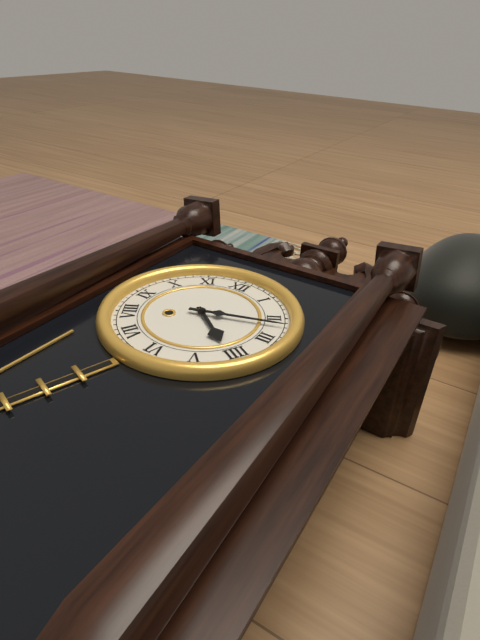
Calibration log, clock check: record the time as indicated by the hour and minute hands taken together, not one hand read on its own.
4:12
